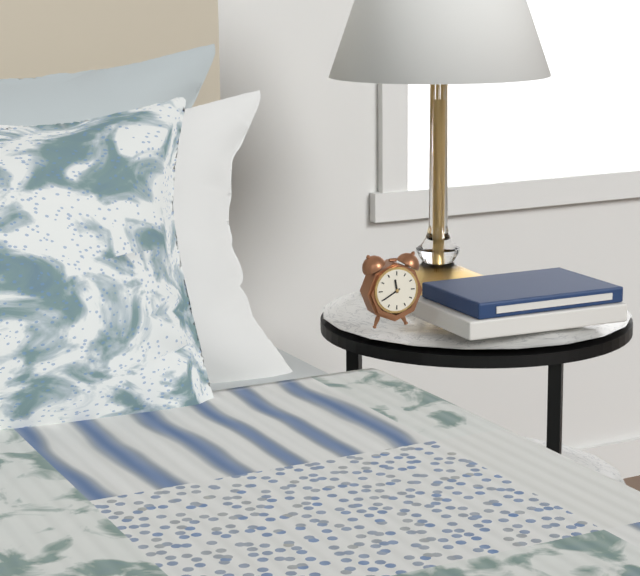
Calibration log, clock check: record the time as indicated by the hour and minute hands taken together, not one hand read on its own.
11:40
